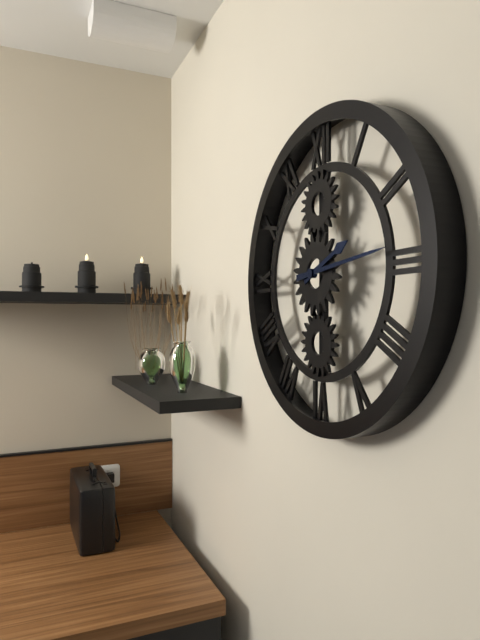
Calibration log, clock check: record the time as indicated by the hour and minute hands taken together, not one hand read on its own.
2:14
